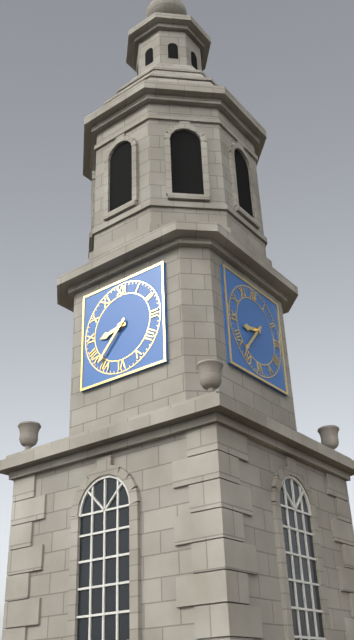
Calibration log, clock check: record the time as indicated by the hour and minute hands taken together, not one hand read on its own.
8:37
